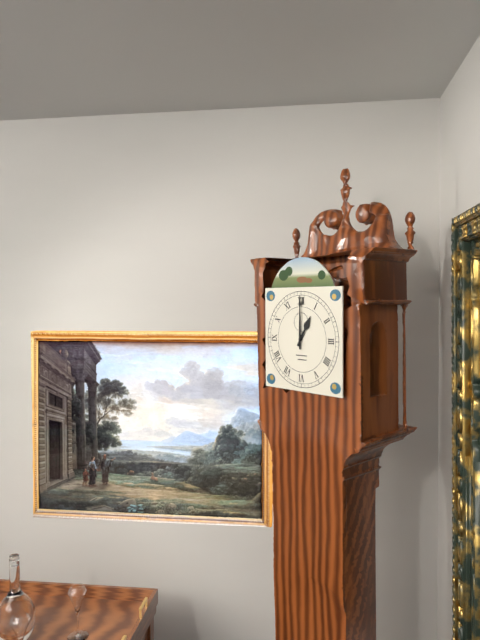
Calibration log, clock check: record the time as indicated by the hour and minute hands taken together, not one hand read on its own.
1:00
